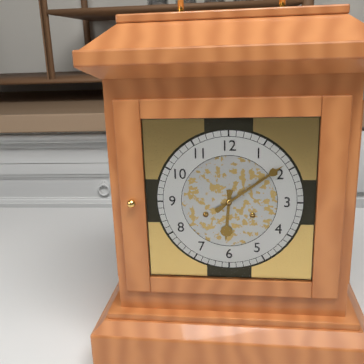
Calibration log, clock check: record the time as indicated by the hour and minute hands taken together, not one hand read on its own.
6:09
